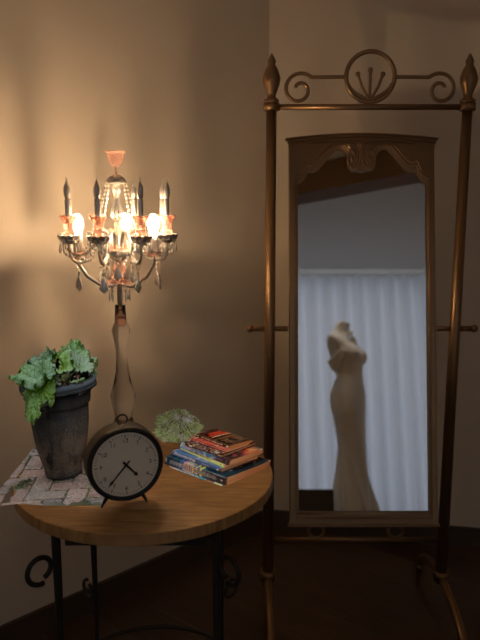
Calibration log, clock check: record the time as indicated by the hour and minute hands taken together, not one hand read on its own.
4:37
